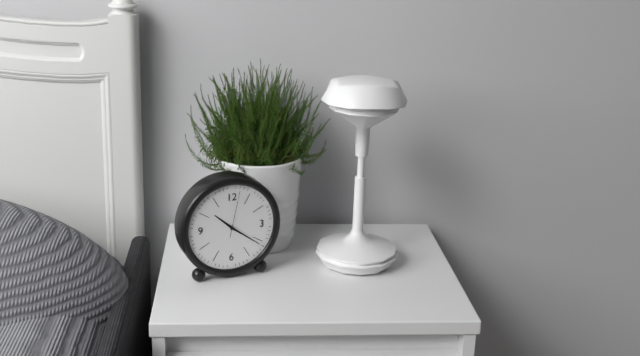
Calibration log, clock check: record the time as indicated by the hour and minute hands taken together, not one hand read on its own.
10:21
